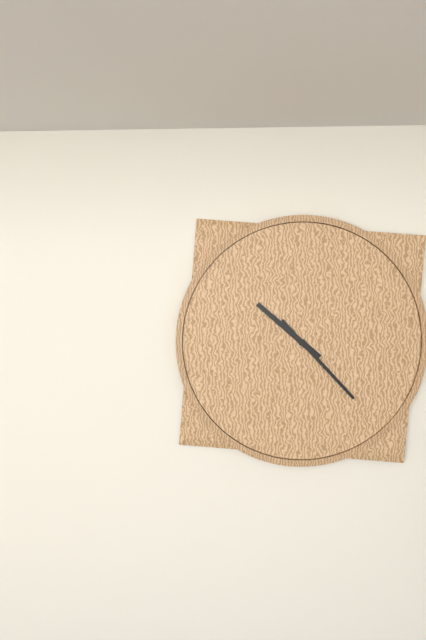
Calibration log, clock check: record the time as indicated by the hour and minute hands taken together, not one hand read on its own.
10:23
